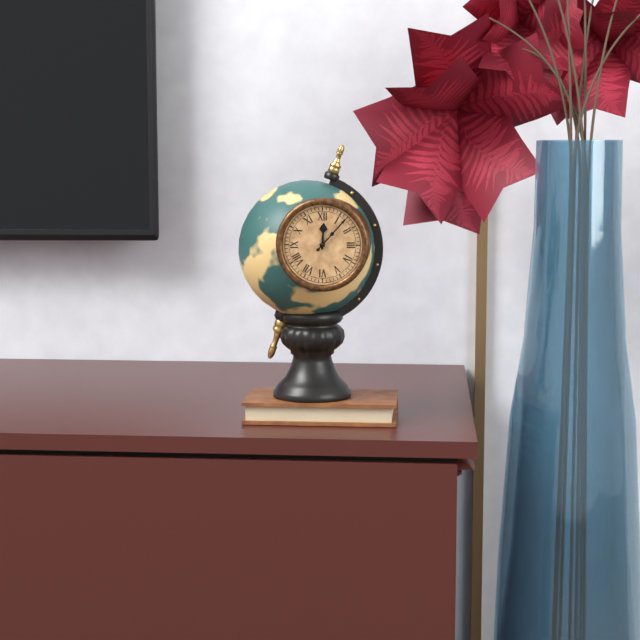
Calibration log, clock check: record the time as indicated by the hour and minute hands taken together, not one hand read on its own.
12:07
